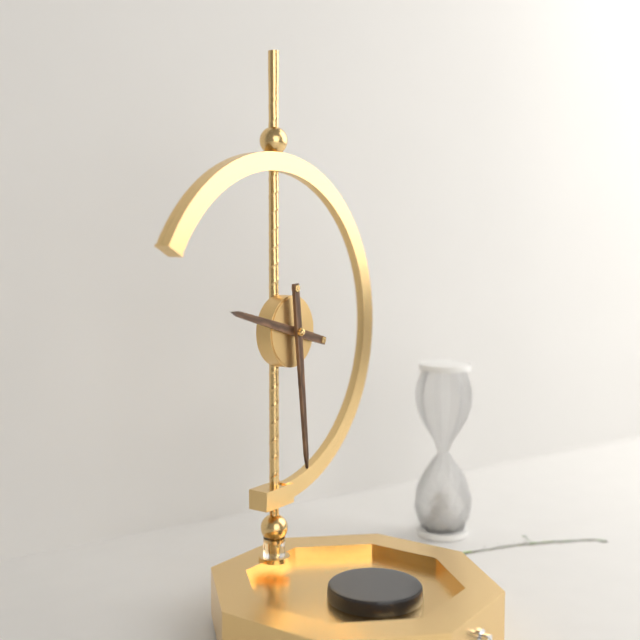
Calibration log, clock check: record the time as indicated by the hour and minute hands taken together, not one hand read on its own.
9:29
